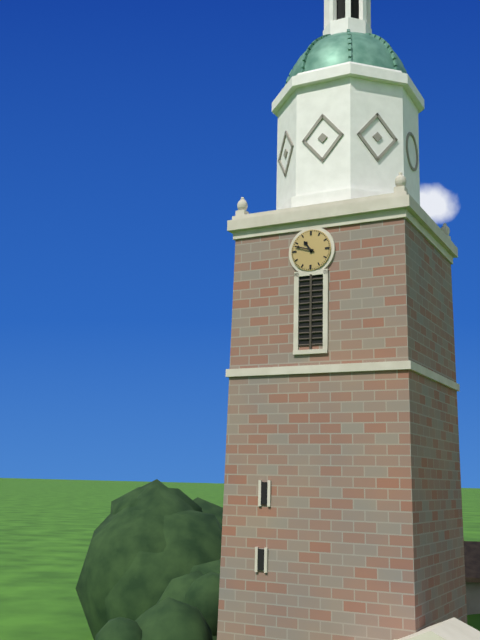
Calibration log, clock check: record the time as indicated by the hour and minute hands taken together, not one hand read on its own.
10:48
